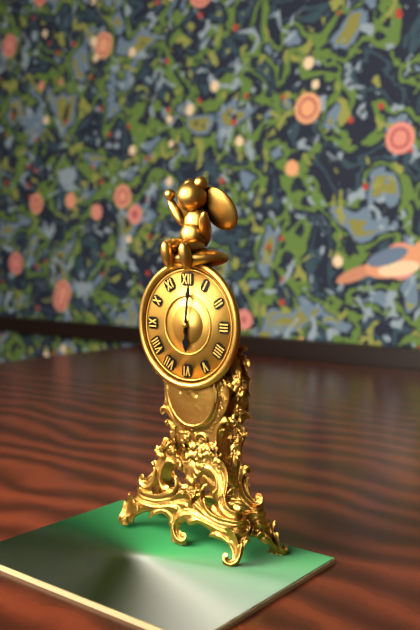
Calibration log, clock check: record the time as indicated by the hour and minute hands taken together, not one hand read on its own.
6:01
